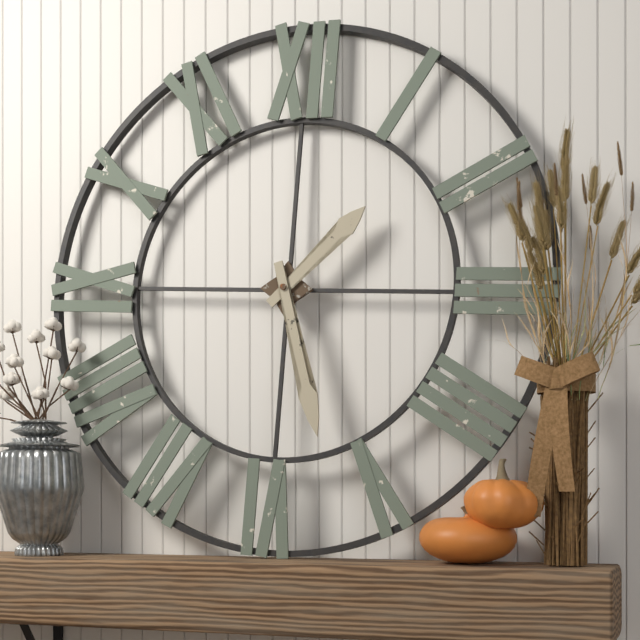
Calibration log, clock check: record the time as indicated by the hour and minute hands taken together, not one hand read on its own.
1:27
